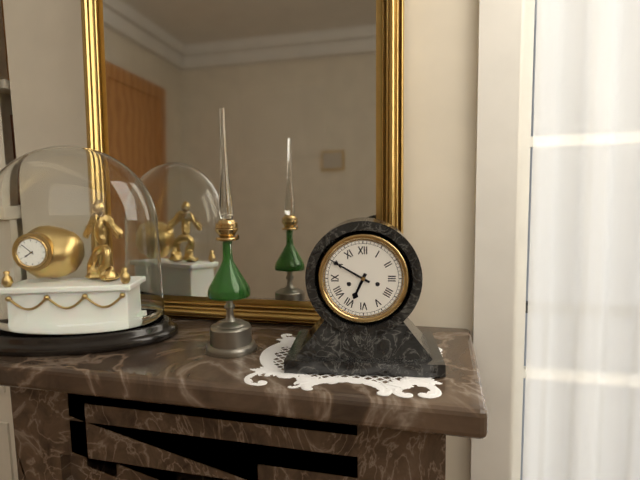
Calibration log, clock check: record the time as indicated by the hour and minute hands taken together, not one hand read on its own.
6:50
